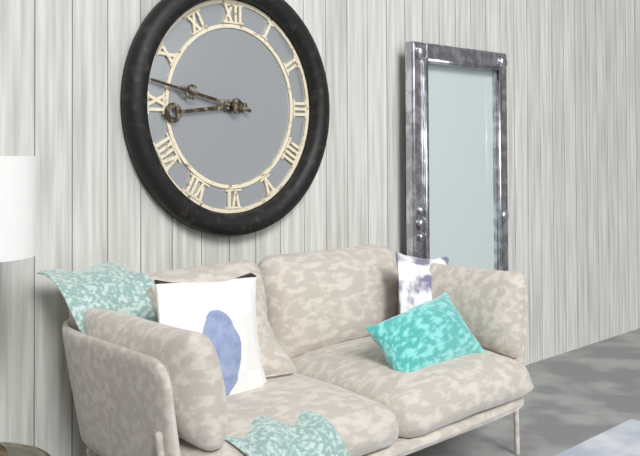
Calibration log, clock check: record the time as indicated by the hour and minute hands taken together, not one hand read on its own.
8:47
